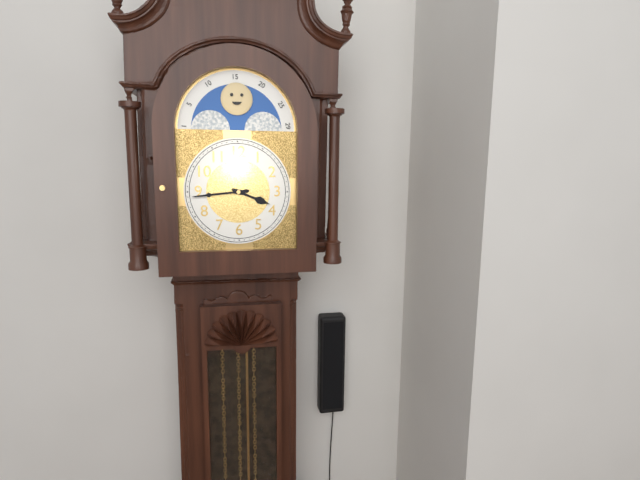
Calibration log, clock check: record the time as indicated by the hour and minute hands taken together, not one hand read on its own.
3:44
